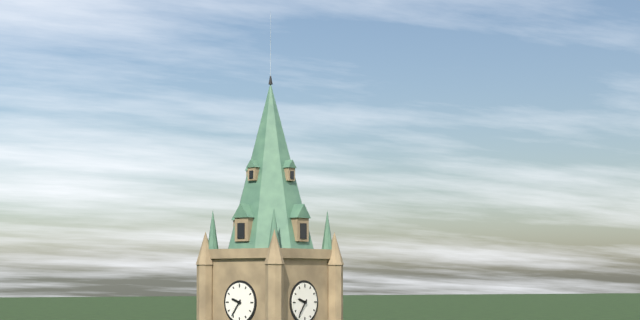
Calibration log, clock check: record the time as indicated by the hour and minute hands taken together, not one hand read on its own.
9:36
